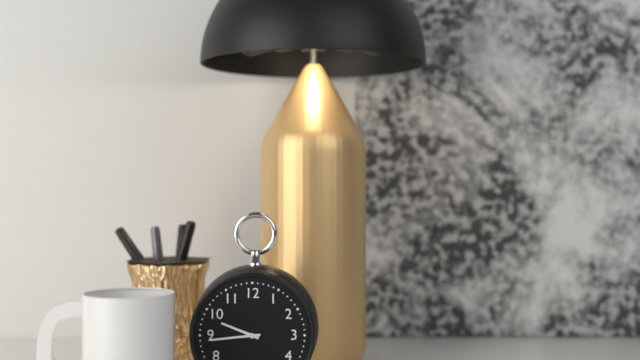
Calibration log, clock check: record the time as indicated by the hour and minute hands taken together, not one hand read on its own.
9:44
